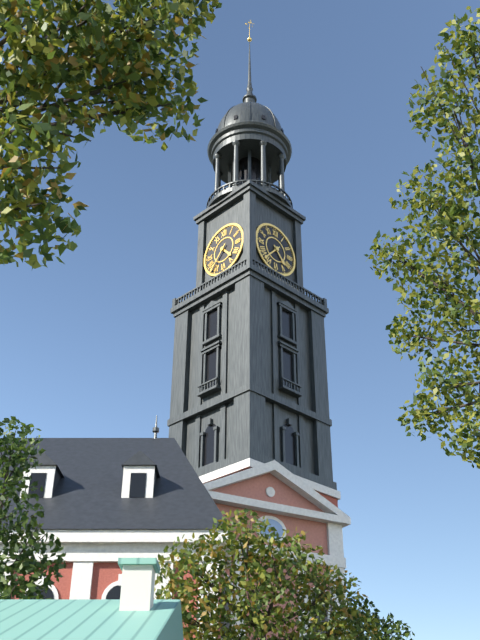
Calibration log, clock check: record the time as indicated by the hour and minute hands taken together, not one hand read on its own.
4:37
